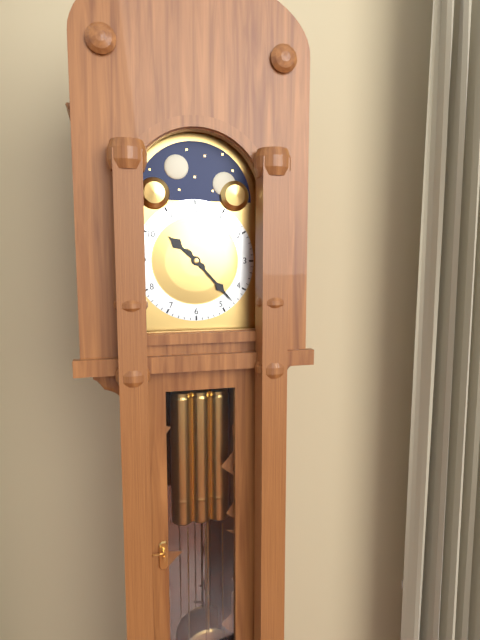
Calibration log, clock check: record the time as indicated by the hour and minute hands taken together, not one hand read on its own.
10:23
